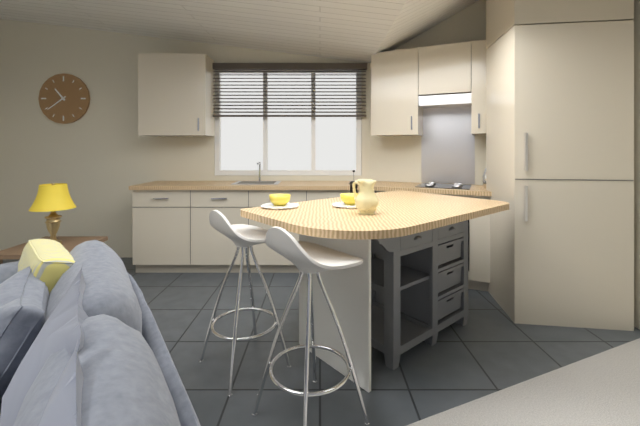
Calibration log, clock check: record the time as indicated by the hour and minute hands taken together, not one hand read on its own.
10:39
